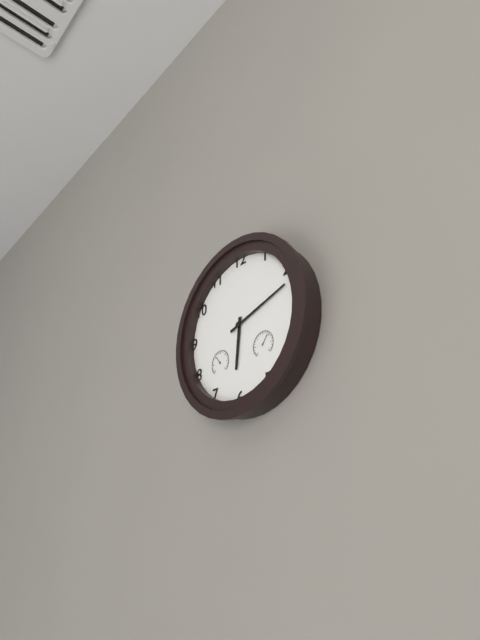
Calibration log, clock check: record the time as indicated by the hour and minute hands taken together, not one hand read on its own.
6:12
